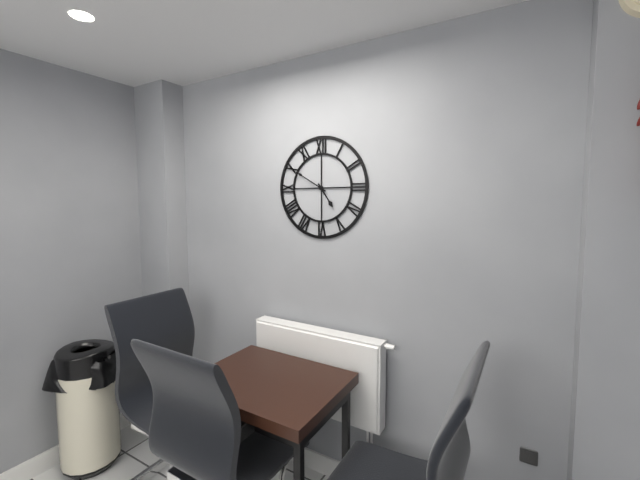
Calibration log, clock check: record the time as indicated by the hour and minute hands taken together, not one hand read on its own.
4:50
